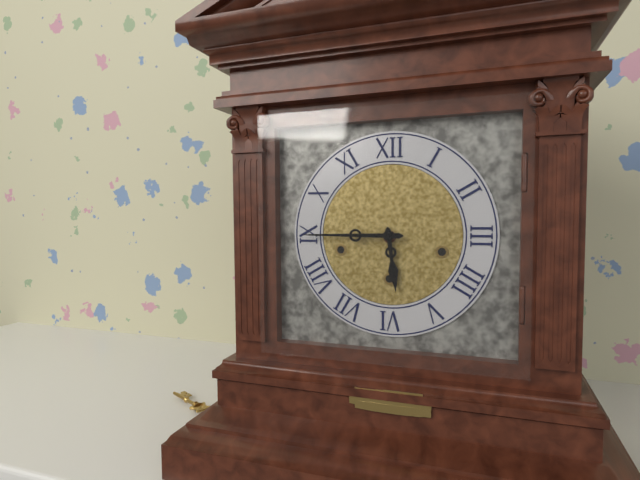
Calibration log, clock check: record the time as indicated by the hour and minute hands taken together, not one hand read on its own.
5:45
